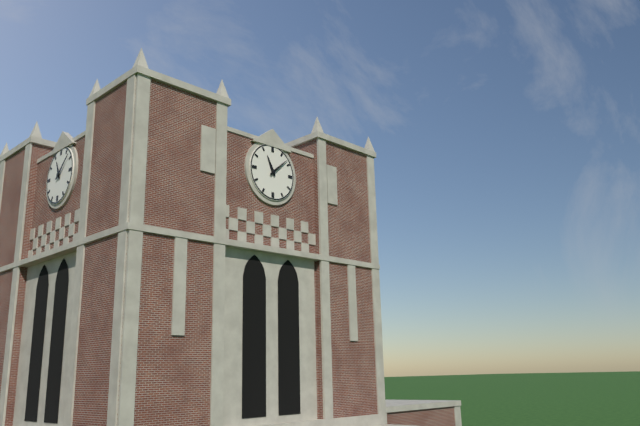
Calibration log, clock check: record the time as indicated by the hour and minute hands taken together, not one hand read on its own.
11:08
